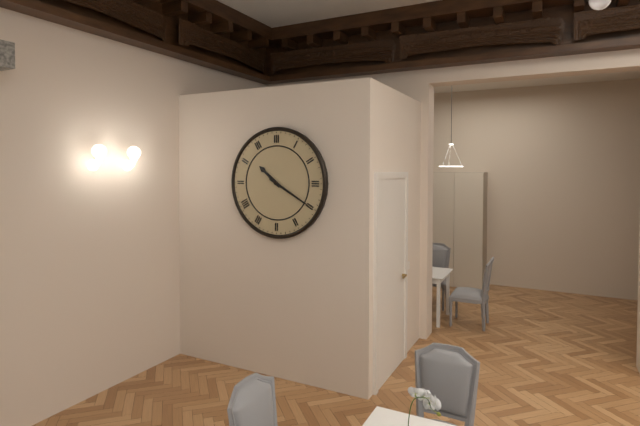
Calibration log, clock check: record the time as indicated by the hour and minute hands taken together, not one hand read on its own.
10:20
